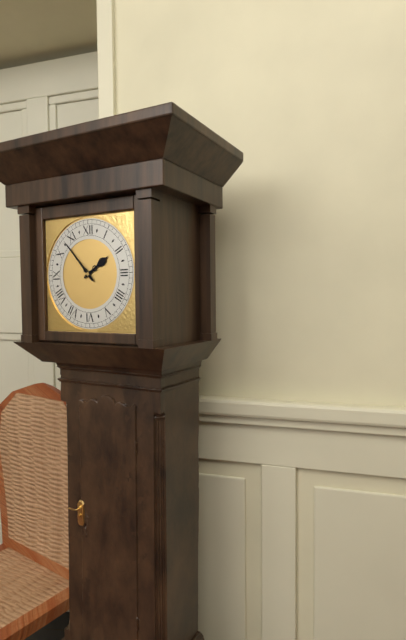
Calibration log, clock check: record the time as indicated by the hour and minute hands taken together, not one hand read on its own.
1:53
